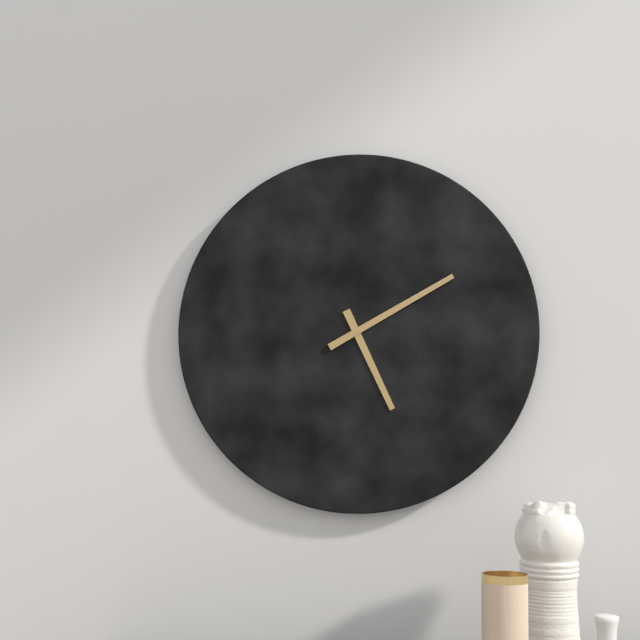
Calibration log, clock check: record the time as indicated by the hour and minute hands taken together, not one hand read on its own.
5:10
